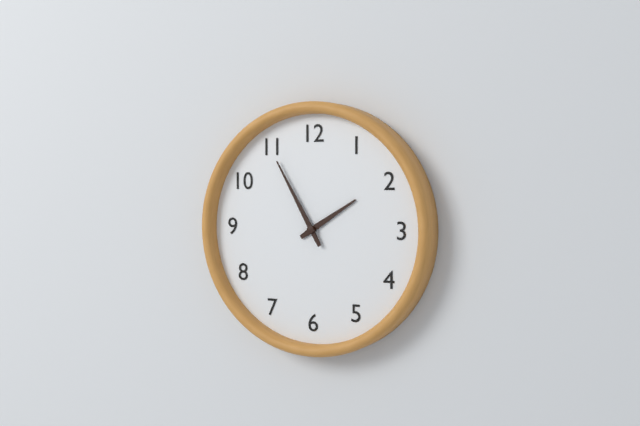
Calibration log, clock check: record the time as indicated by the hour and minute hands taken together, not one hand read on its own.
1:55
